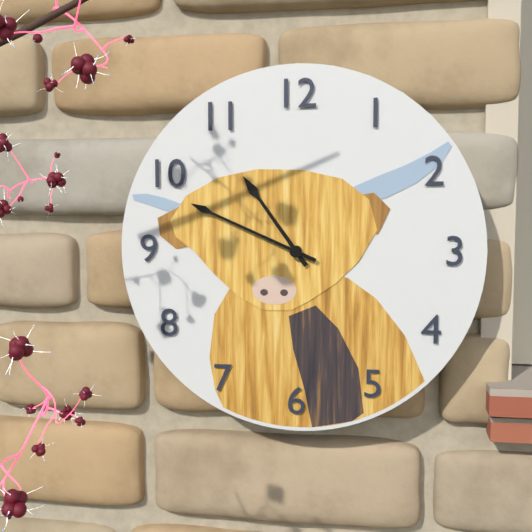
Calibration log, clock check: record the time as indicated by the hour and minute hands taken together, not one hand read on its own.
10:49
